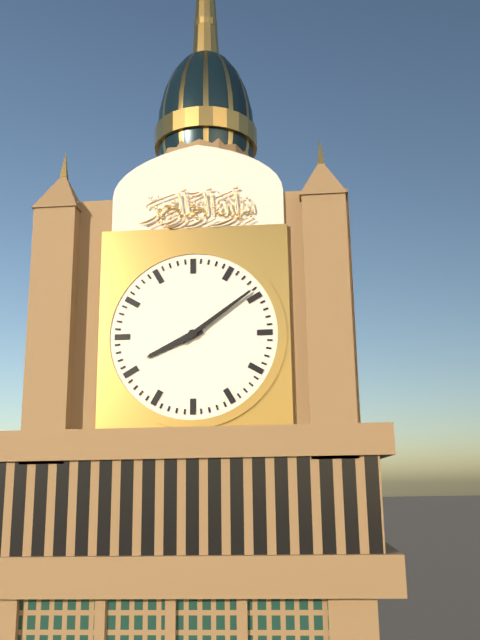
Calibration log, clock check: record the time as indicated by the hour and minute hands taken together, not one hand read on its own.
8:09
